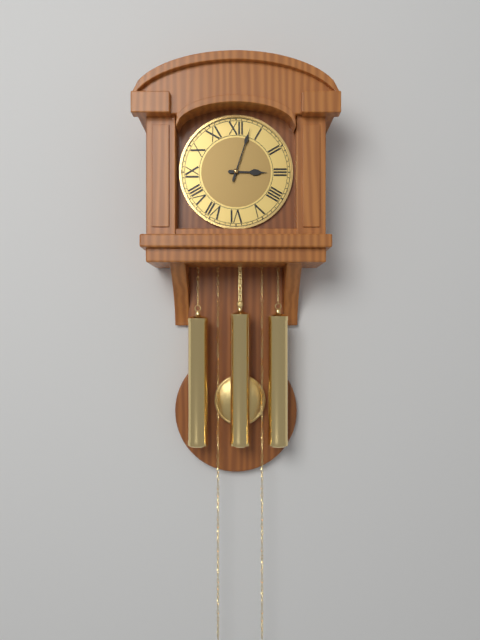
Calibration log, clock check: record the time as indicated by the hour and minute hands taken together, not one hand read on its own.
3:03
